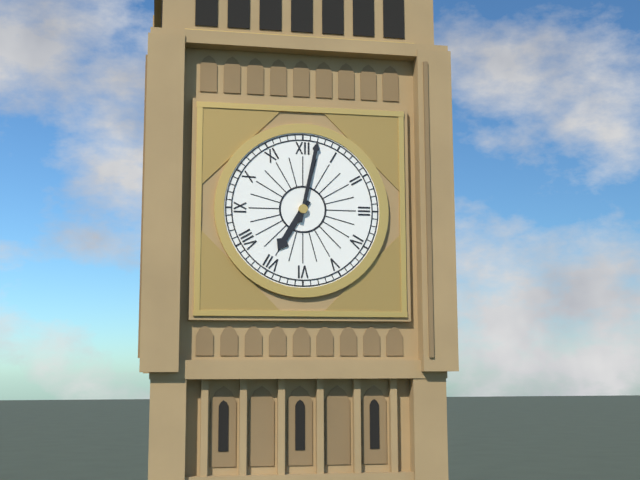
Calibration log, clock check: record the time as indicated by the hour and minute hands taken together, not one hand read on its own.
7:02
